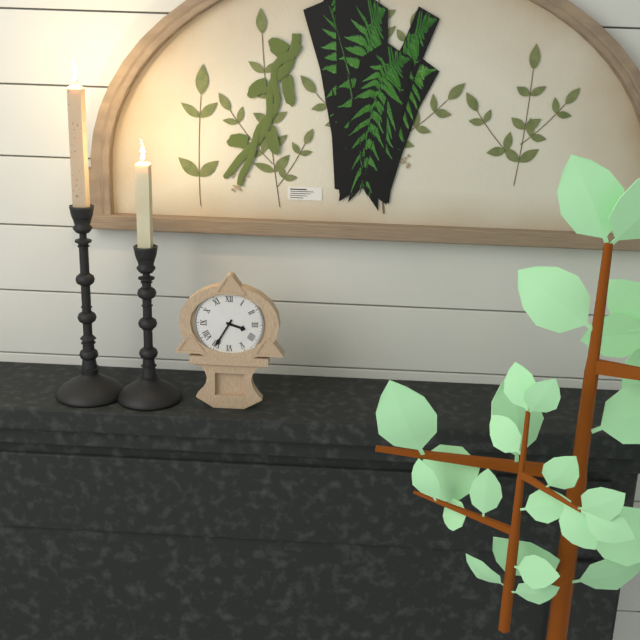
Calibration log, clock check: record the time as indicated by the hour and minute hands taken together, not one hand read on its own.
3:35
